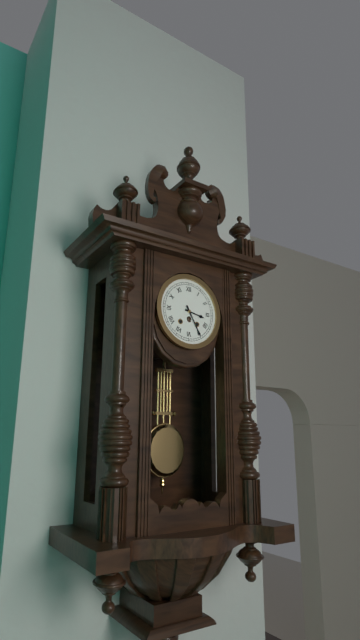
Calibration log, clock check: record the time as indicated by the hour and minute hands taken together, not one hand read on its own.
3:25
